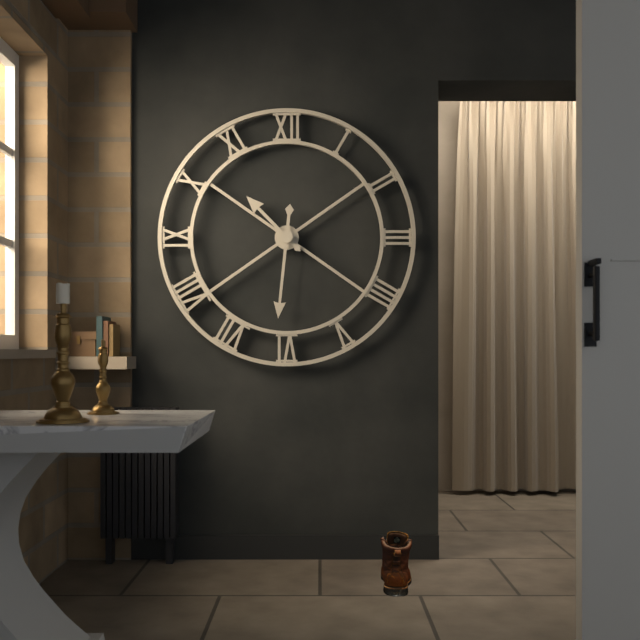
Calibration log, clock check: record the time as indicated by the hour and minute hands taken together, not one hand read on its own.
10:31
